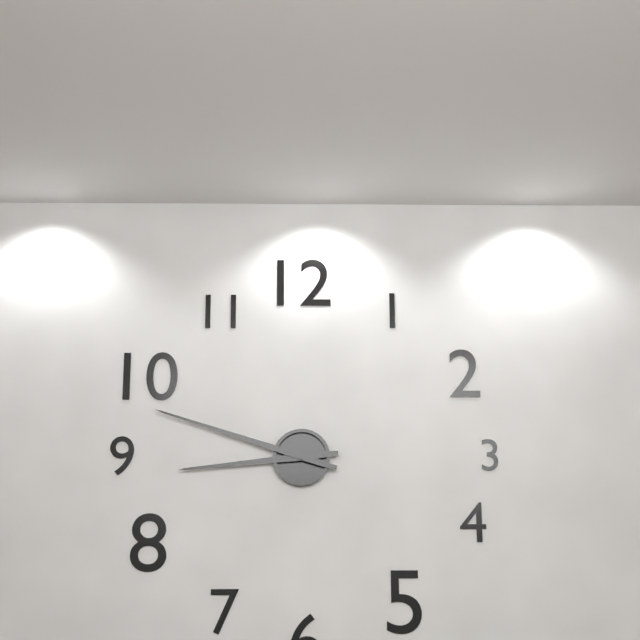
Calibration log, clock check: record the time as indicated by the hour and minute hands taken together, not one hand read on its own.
8:48
